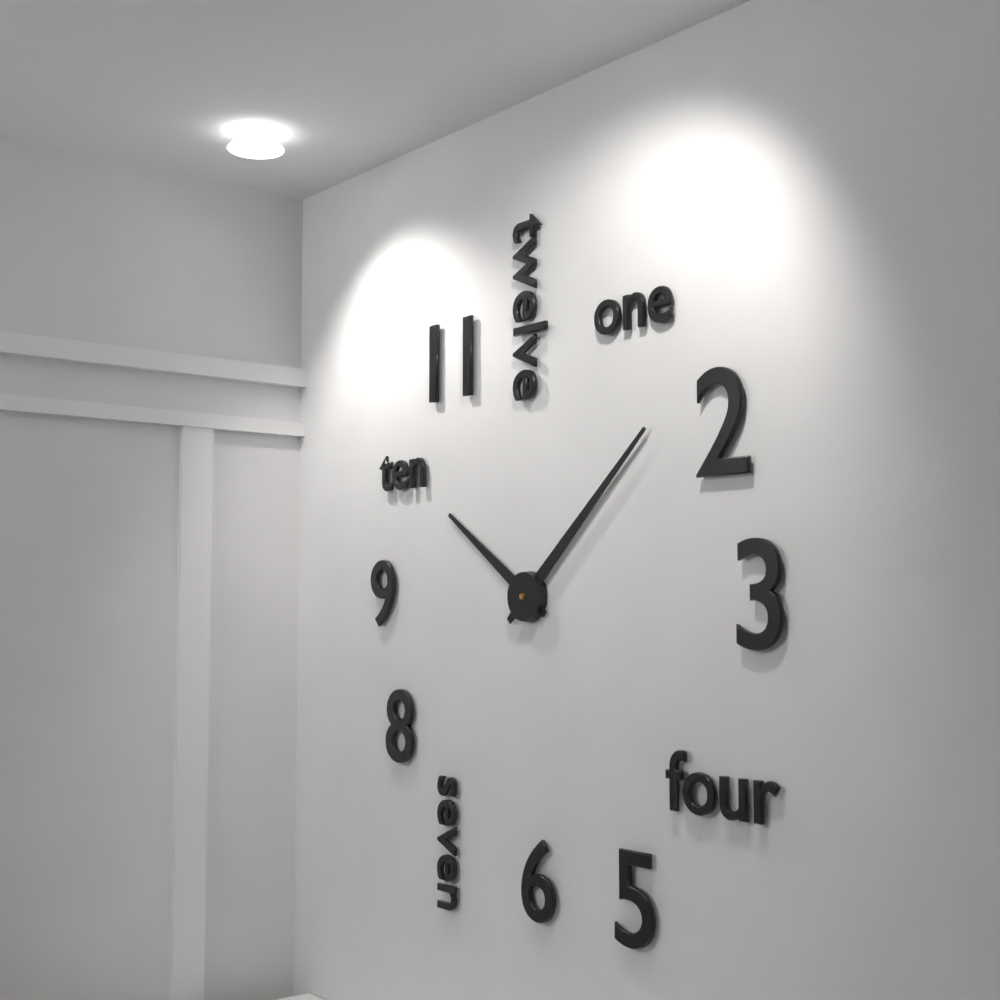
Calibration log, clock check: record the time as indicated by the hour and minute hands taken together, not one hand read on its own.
10:08
